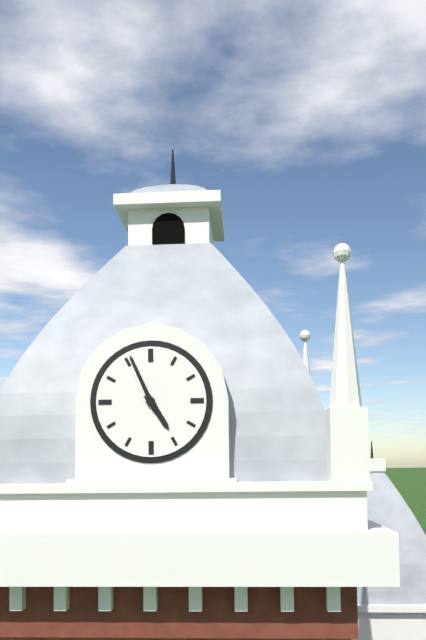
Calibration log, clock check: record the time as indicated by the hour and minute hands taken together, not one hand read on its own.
4:56
